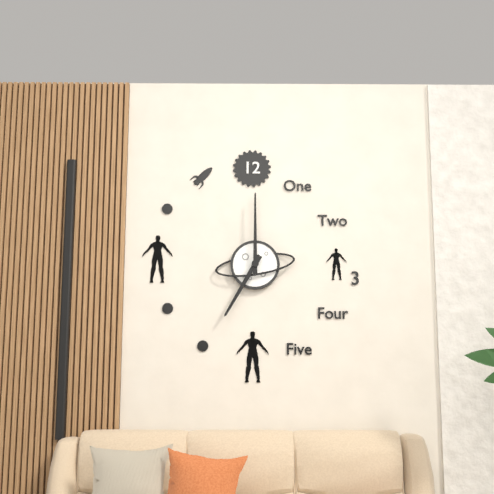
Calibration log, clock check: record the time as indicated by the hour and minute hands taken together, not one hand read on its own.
7:00
